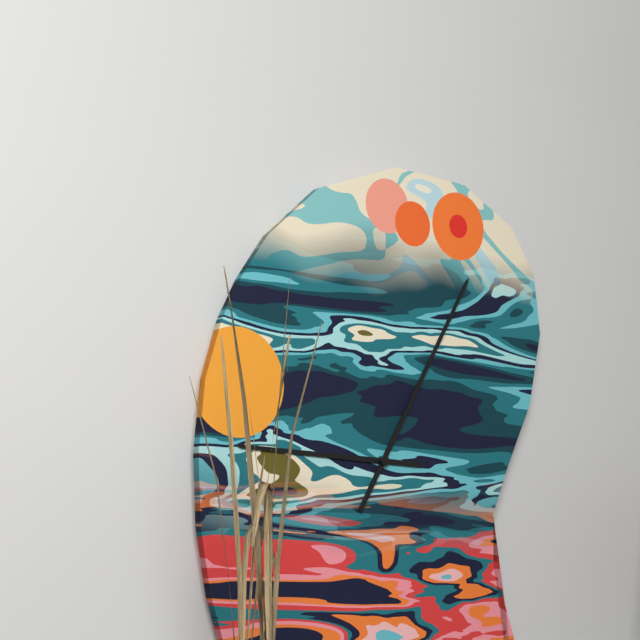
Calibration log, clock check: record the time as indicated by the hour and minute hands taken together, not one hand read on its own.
9:05
